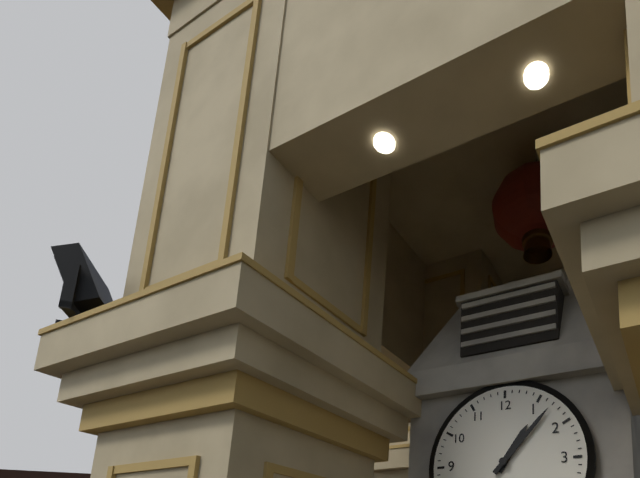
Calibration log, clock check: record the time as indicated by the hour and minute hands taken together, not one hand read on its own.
1:07
